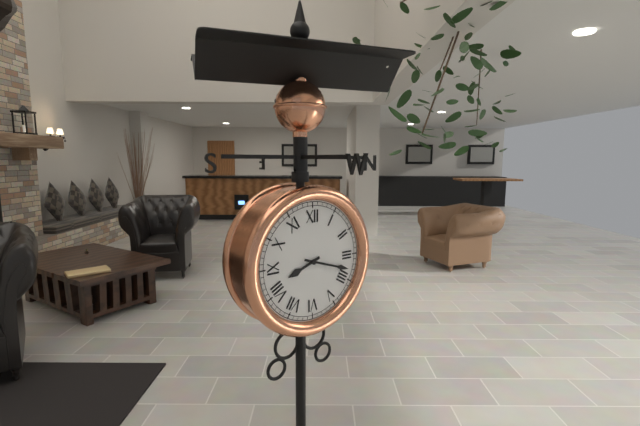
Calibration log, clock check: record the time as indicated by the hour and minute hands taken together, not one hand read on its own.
8:18
